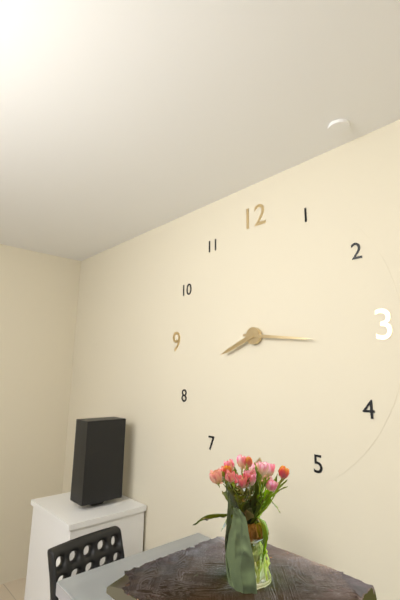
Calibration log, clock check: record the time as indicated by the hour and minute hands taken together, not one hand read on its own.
8:16
